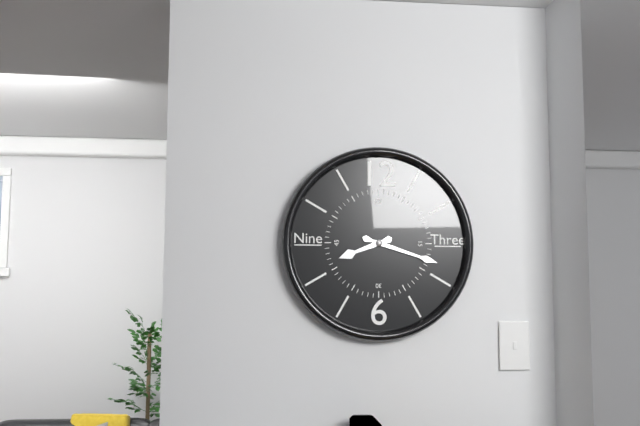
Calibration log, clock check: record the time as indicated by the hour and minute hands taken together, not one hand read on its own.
8:18
